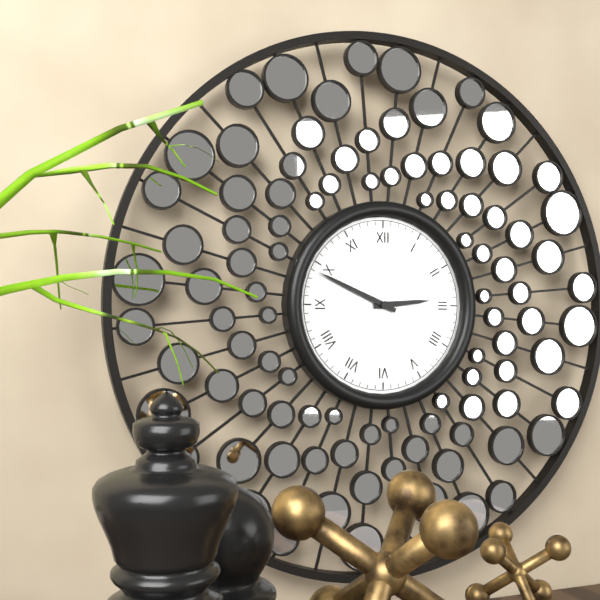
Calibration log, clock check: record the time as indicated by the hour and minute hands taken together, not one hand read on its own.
2:49
